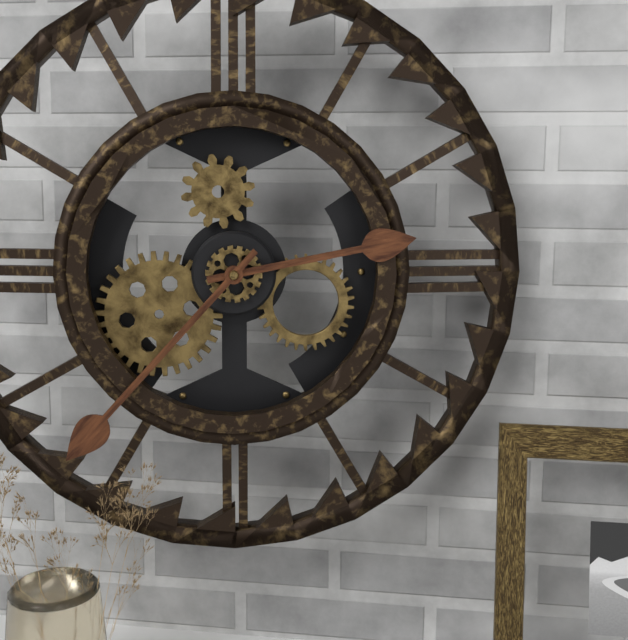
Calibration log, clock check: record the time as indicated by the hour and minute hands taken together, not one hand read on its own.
2:37
